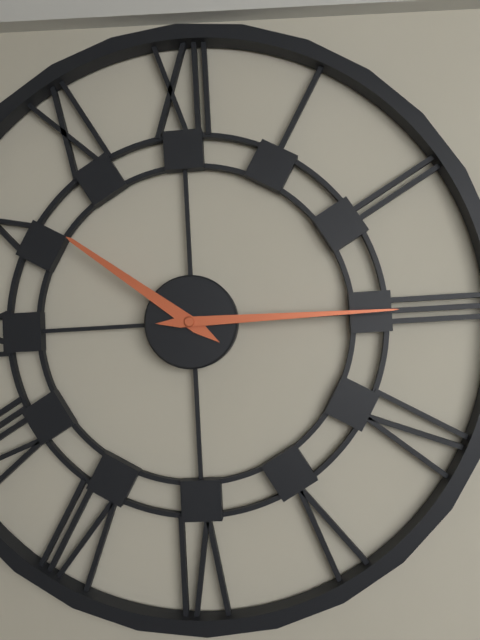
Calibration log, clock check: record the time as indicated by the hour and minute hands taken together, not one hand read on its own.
10:15
